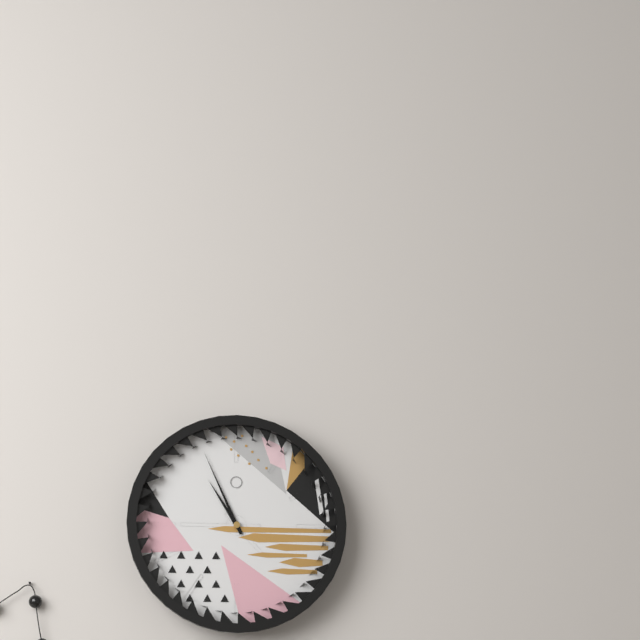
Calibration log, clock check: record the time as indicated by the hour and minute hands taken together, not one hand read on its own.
10:56
